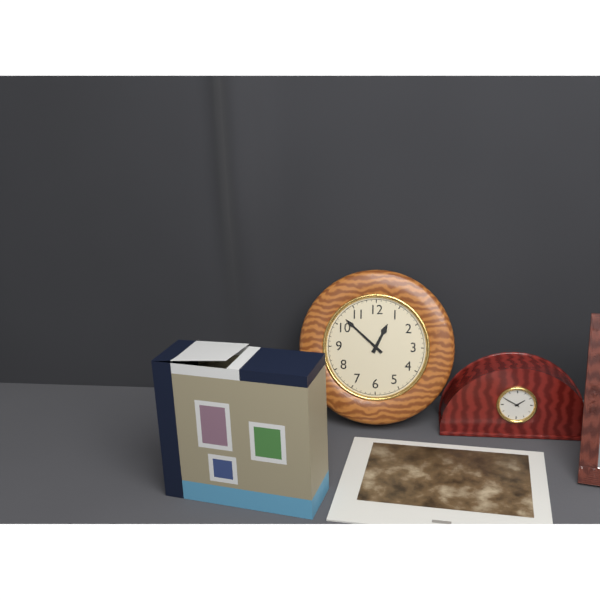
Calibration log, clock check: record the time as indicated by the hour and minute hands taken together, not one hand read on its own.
12:52
